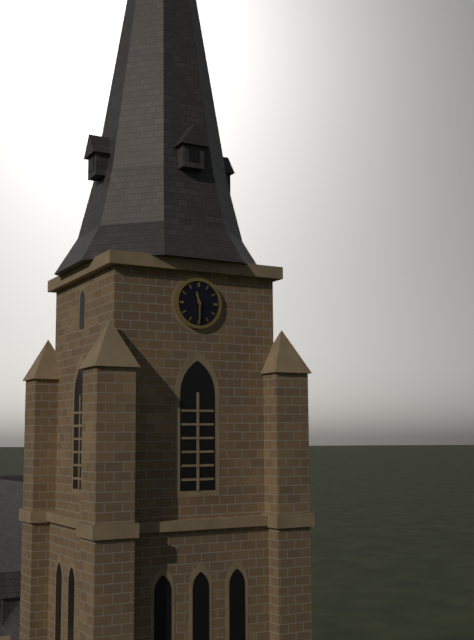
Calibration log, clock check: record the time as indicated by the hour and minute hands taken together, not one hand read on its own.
11:30
